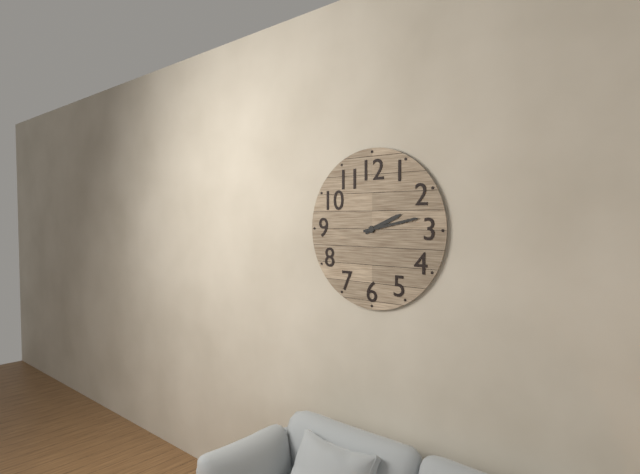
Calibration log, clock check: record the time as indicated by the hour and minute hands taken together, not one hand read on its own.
2:13
